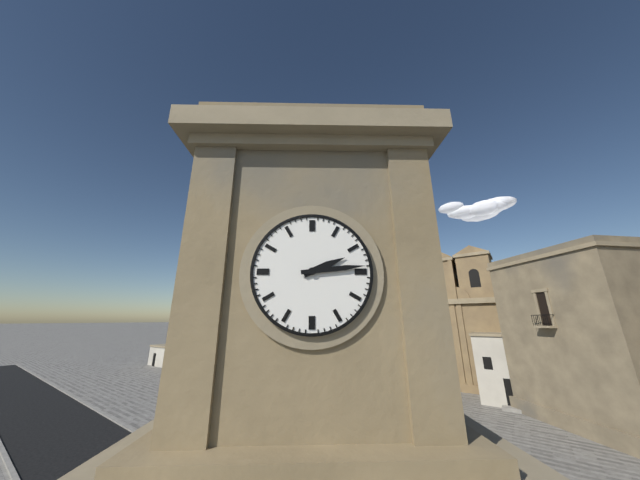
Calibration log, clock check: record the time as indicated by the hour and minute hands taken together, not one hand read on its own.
2:14
